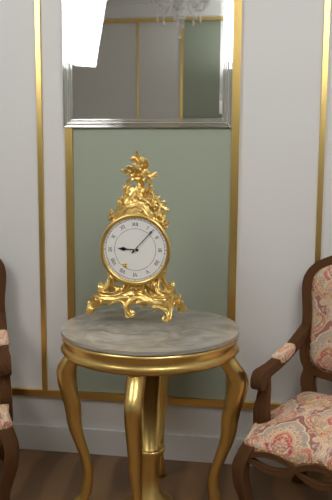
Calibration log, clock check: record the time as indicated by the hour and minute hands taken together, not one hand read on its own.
9:07
